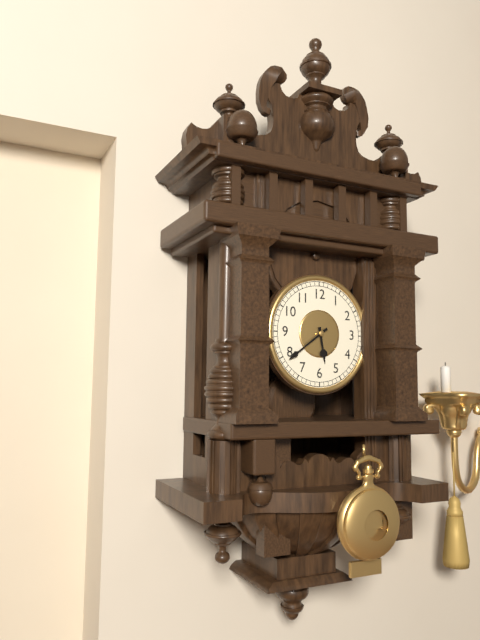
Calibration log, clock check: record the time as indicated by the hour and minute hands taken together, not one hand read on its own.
5:39
